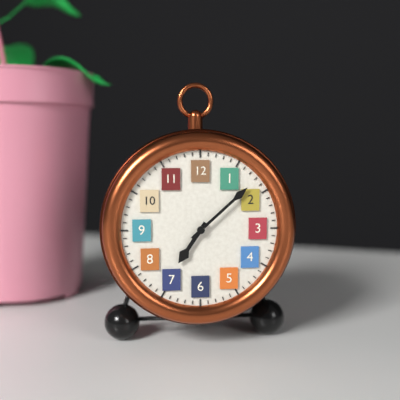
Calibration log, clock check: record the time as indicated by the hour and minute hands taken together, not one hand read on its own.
7:08
